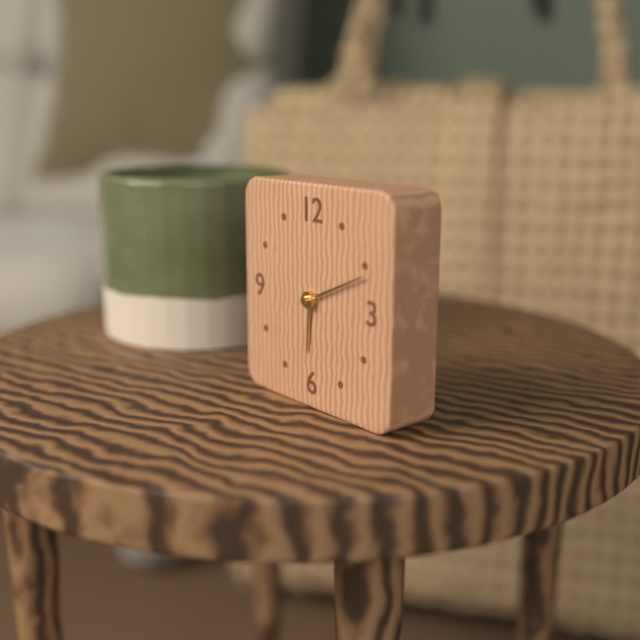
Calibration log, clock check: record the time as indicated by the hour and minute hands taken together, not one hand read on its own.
6:11
